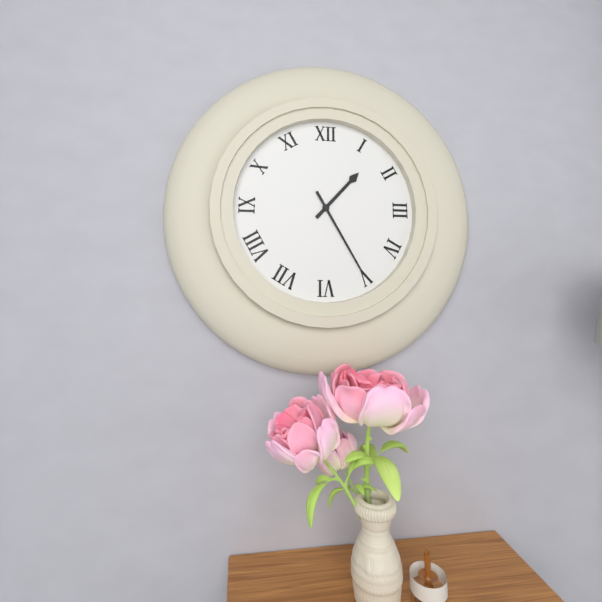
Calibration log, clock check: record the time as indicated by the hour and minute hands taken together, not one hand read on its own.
1:25
